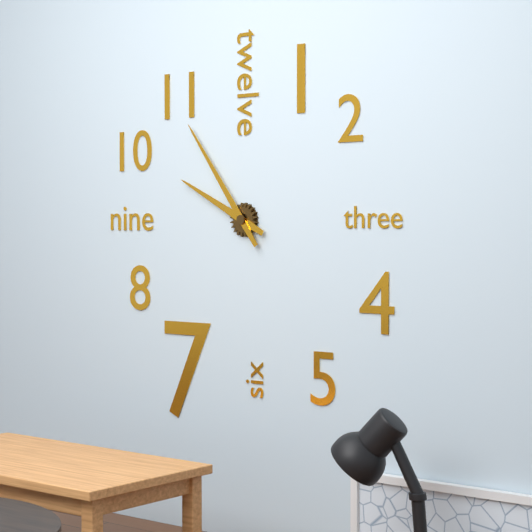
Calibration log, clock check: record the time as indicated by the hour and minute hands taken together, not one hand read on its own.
9:54
